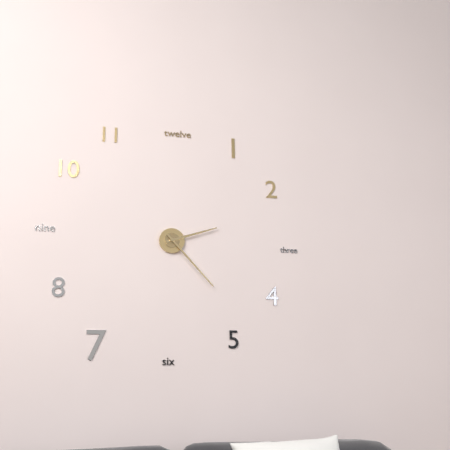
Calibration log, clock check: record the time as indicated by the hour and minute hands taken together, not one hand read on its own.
2:23
